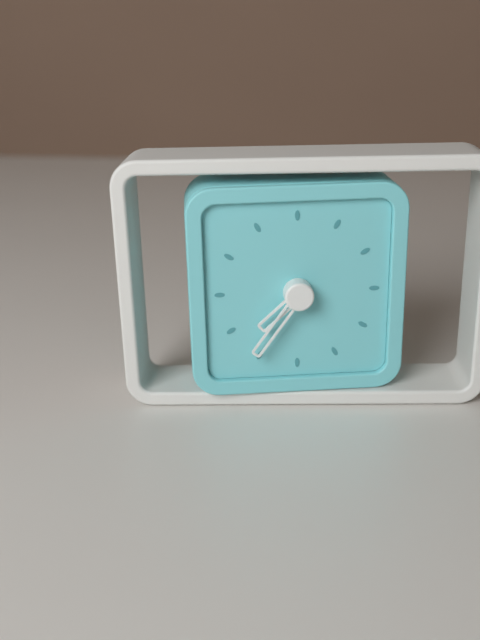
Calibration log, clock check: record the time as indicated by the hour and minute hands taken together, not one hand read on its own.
7:36
